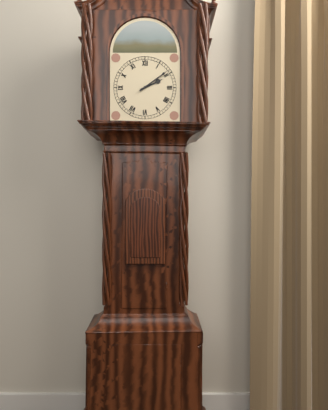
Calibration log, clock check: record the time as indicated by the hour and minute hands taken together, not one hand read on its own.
2:09
